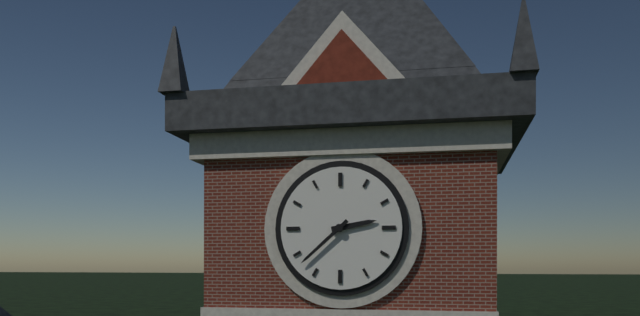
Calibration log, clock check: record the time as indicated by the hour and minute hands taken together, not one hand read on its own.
2:38
